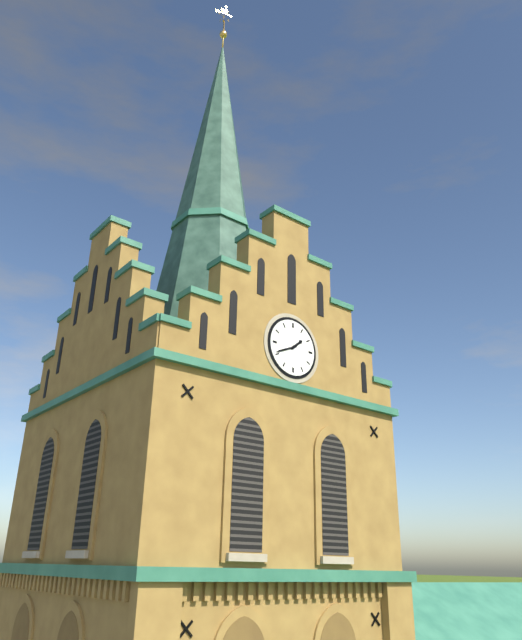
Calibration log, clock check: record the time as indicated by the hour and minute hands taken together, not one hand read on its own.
1:41
